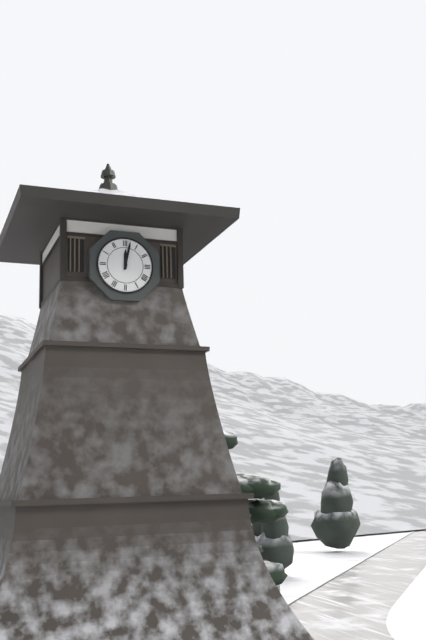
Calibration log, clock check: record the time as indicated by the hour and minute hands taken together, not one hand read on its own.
12:02
